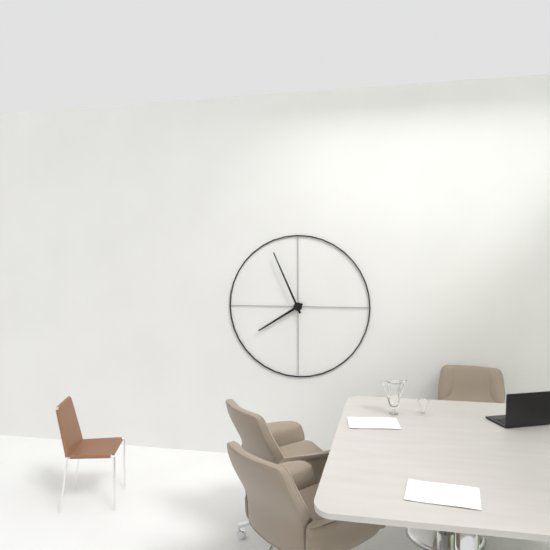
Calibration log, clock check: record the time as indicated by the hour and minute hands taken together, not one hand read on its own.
7:56
